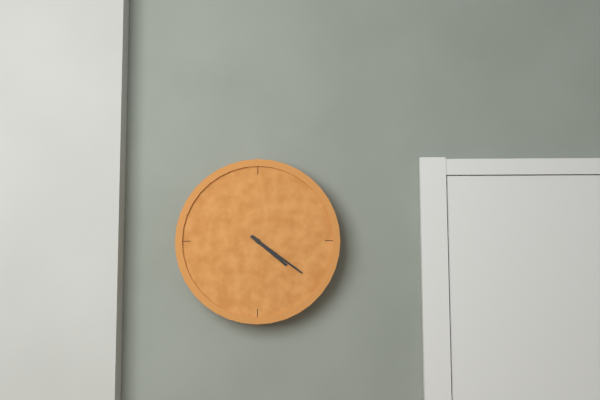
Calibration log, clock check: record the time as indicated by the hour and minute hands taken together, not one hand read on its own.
4:21
